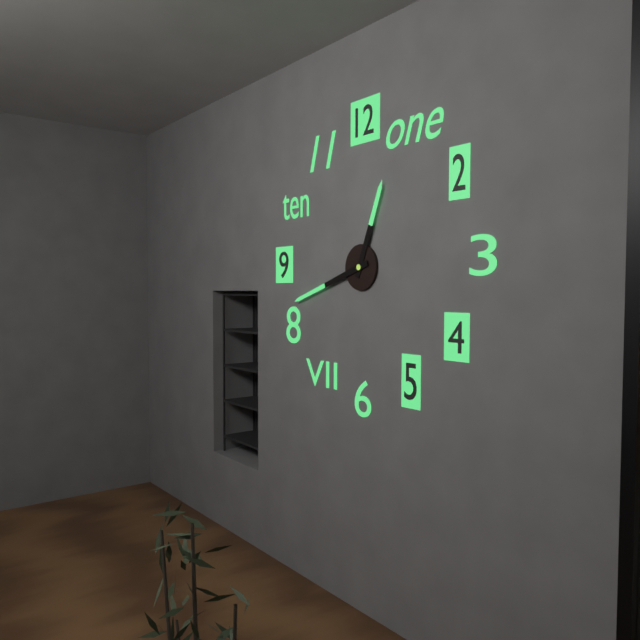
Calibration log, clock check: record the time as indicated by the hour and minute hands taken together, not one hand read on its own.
12:42
